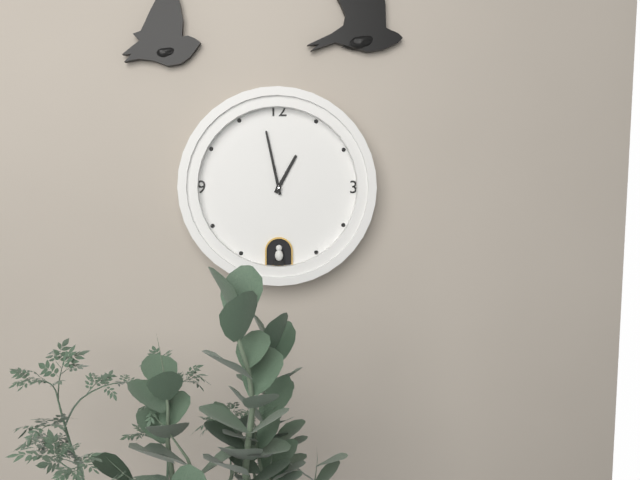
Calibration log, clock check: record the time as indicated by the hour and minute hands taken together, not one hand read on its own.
12:58
